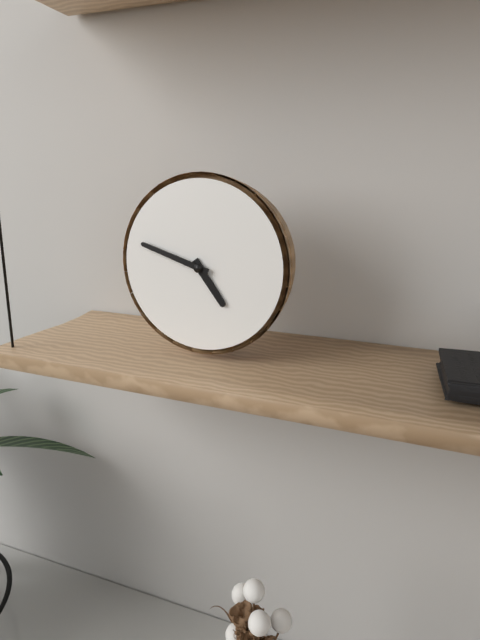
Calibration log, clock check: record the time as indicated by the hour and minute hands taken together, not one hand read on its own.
4:48
